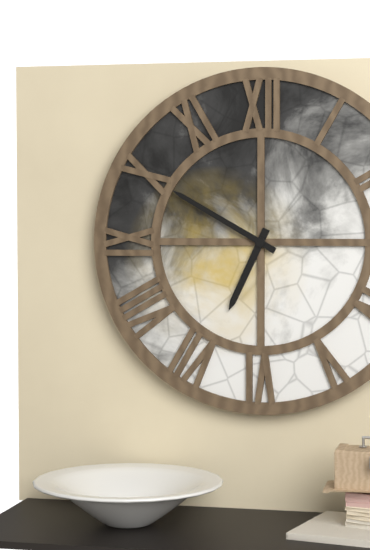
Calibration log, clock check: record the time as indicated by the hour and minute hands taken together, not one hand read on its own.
6:50
